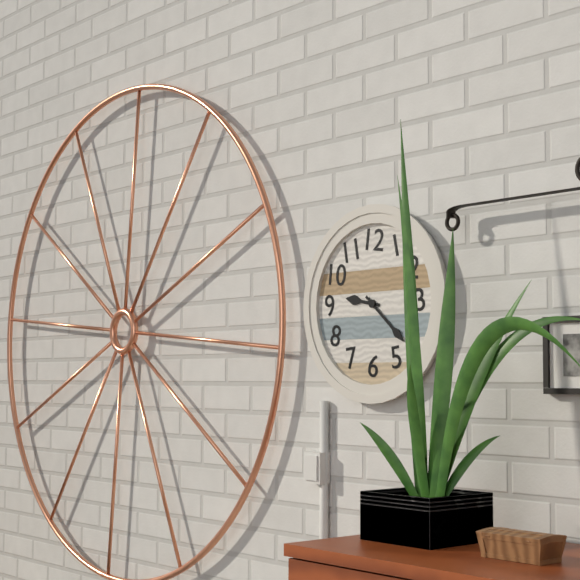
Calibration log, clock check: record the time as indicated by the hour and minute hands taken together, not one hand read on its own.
9:22
